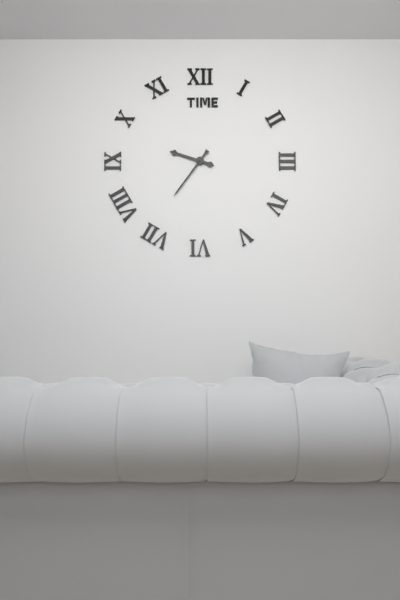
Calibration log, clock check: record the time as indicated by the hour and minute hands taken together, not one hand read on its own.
9:36
